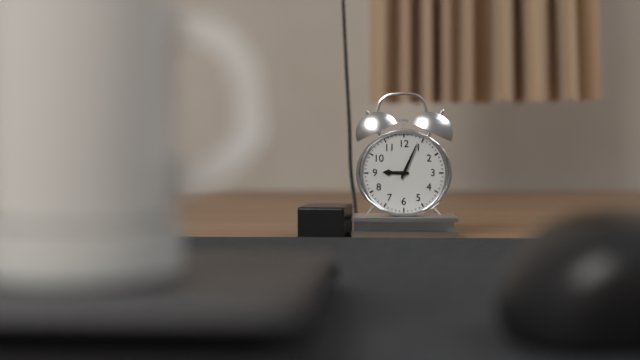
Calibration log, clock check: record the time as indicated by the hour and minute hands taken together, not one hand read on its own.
9:04
